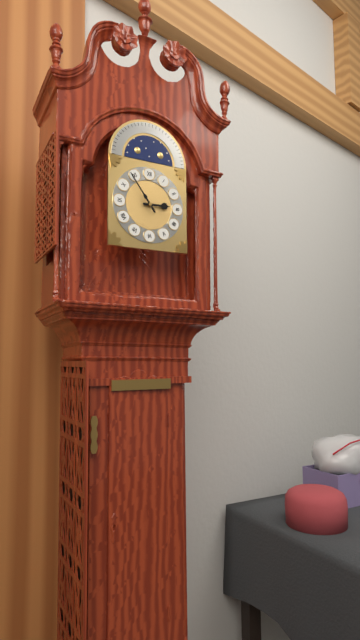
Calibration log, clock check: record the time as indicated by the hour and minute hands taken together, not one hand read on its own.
2:54
